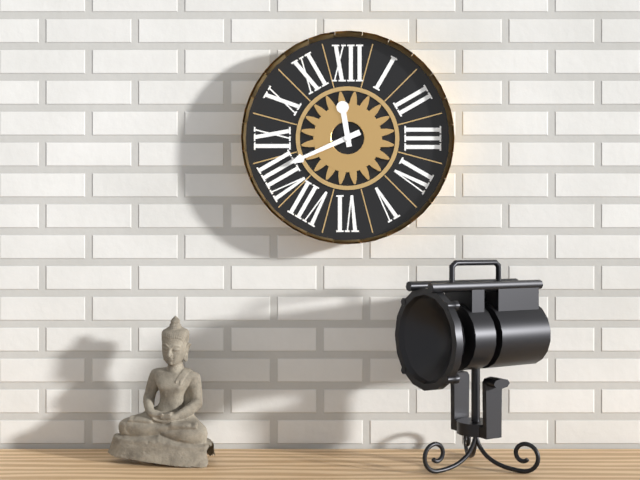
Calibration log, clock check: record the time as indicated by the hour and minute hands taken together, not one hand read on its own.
11:41
